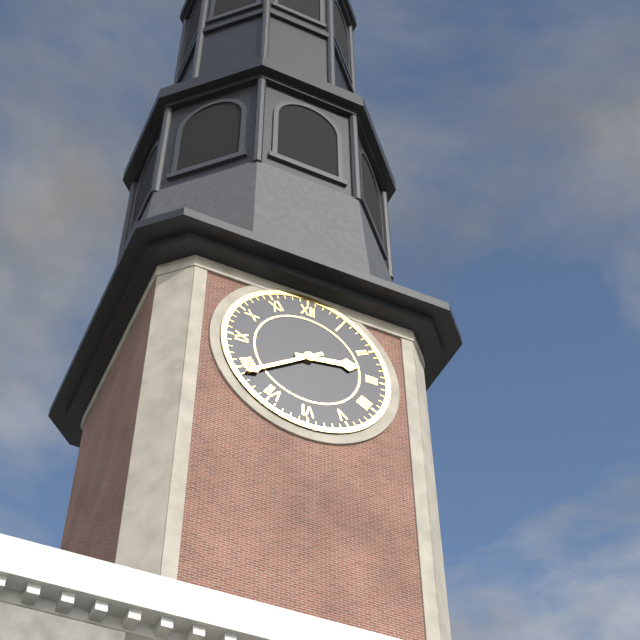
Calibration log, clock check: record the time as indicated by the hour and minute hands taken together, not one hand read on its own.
2:39
